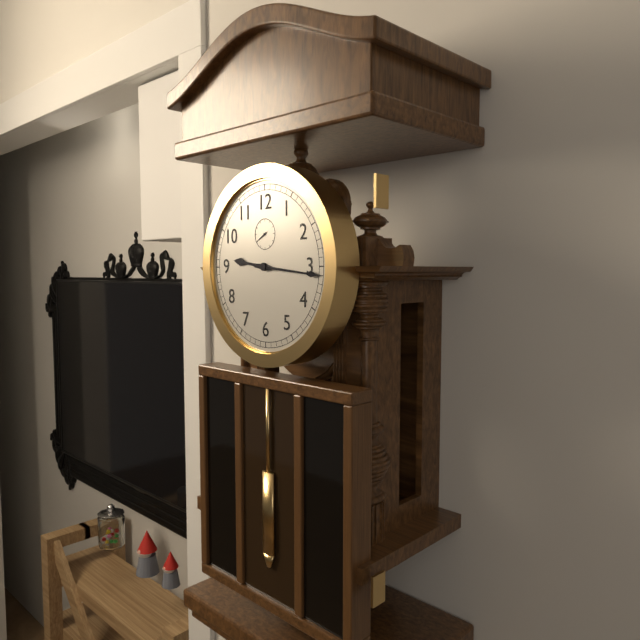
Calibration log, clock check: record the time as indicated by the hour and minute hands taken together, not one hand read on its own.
9:16
